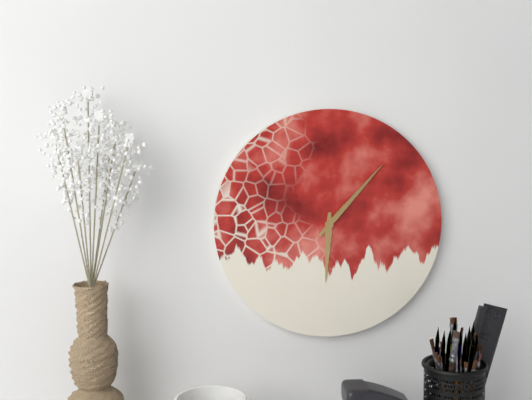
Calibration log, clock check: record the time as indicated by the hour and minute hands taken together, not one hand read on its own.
6:07
